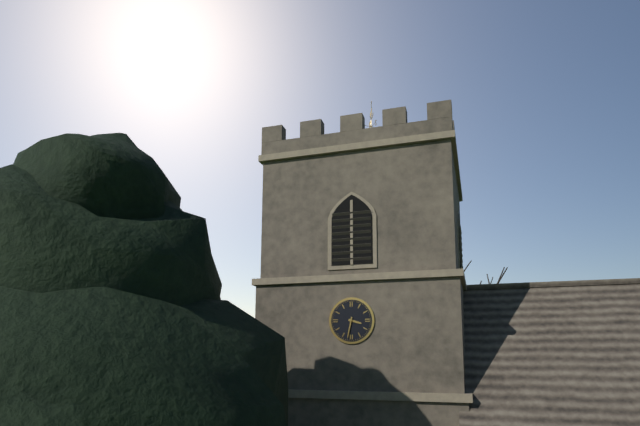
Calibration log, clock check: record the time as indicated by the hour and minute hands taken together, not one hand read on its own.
3:32
